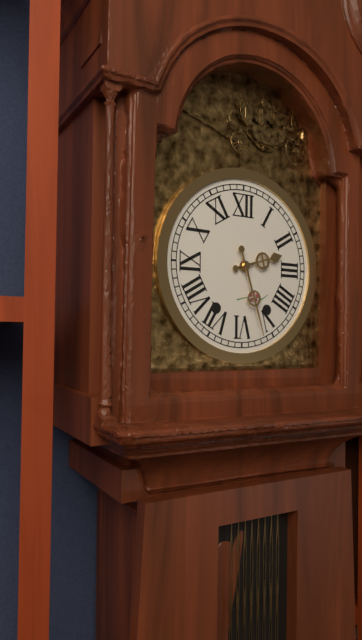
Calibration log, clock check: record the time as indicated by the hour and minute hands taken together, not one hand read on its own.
2:27
